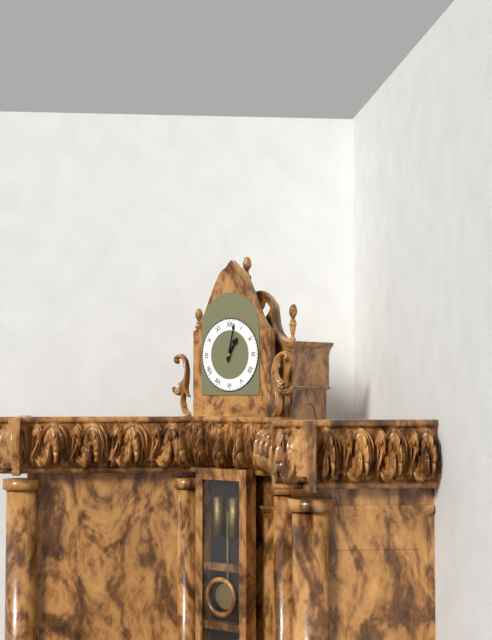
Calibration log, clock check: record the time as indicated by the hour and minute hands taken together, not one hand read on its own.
1:02
